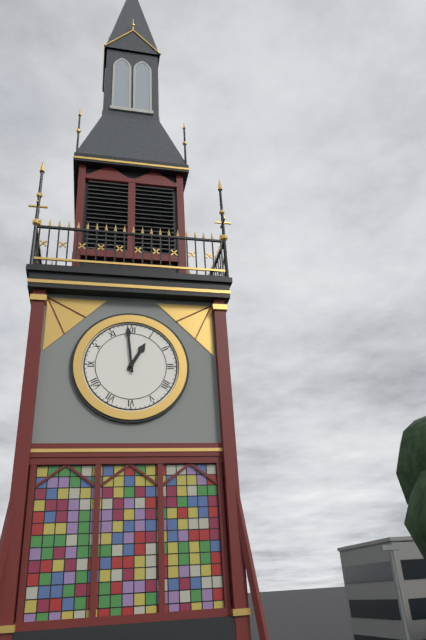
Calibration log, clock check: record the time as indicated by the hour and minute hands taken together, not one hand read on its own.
12:59
